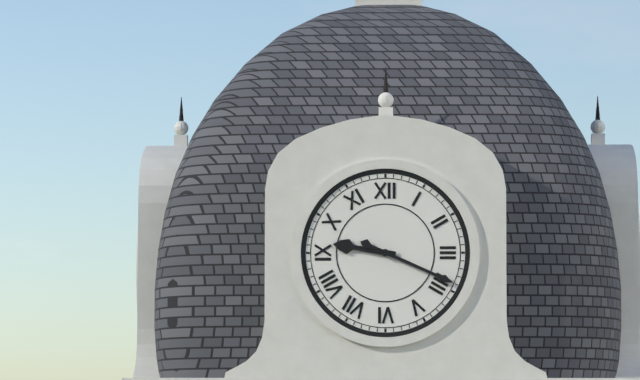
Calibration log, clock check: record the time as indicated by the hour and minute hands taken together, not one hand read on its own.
9:19
